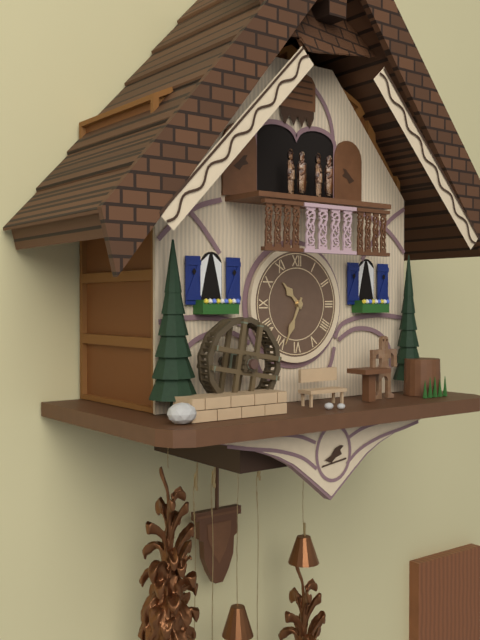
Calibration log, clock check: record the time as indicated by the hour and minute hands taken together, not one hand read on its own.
10:34
